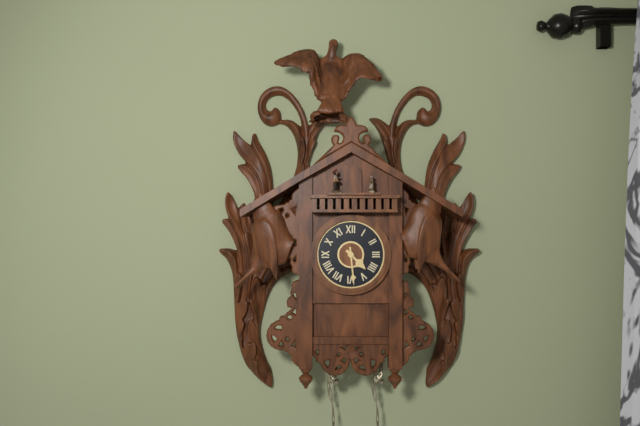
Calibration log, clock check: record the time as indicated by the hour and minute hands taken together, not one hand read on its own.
4:29
